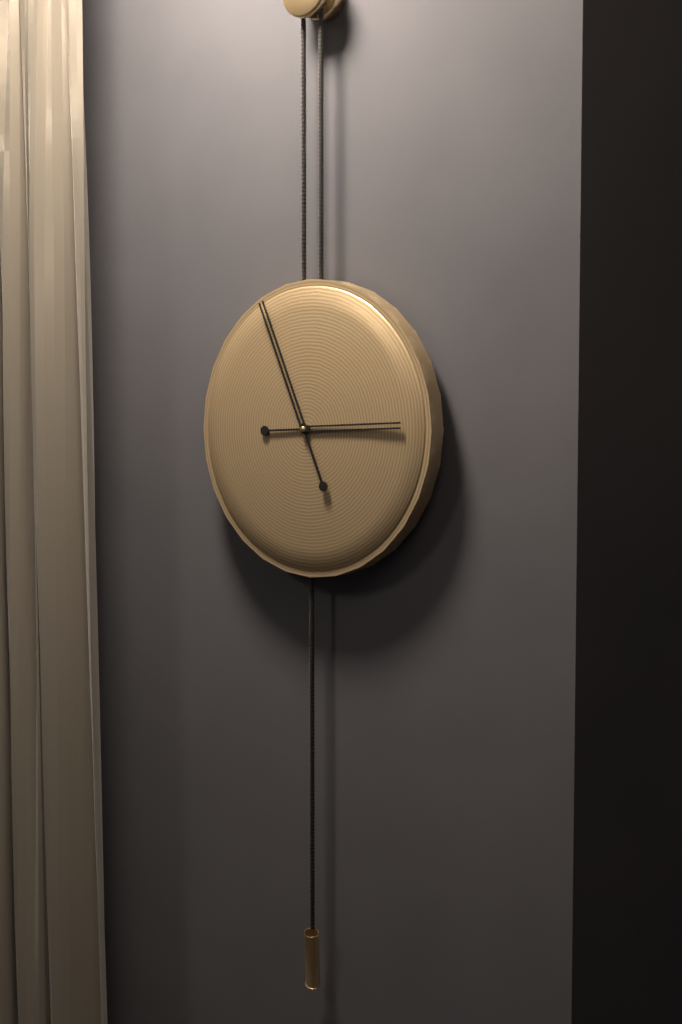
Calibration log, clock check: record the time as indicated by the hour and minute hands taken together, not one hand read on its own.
2:56
